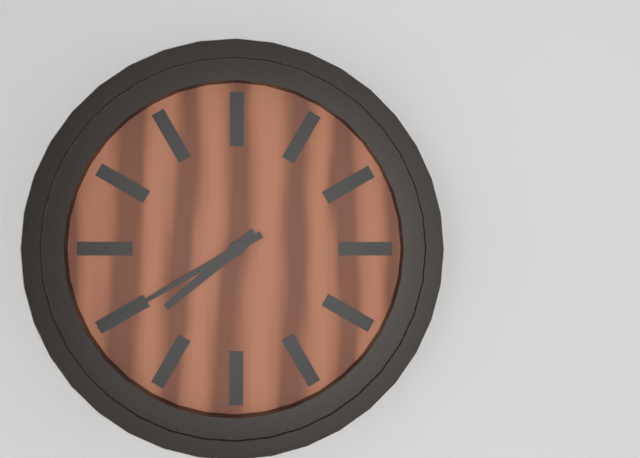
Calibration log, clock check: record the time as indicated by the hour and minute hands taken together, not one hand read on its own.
7:40
